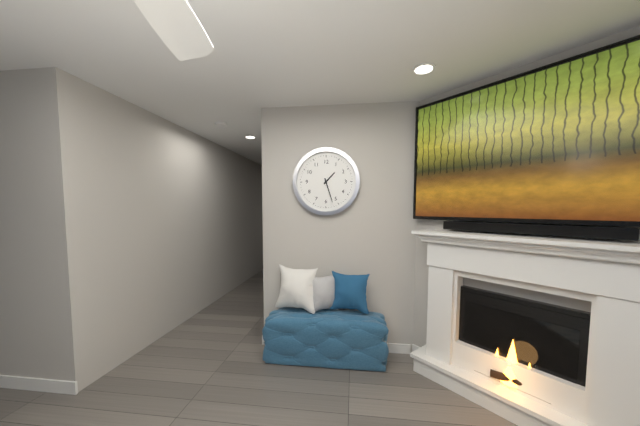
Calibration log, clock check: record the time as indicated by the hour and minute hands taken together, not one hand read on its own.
1:27
